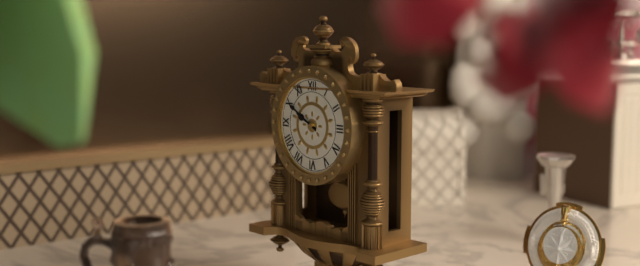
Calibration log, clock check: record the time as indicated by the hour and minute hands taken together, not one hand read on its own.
9:50
